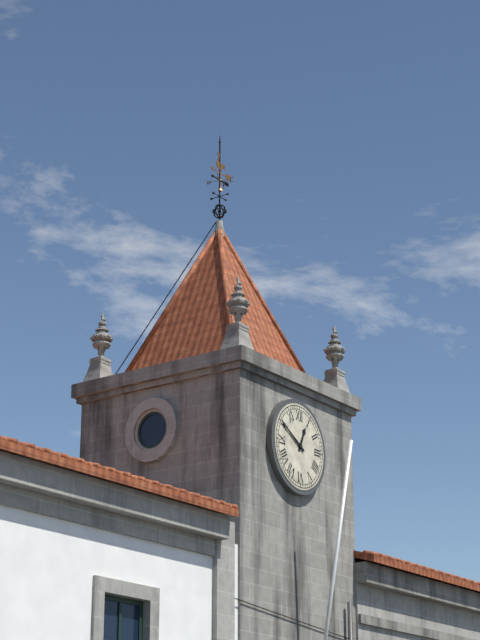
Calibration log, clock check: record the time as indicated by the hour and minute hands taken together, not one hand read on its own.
12:50
